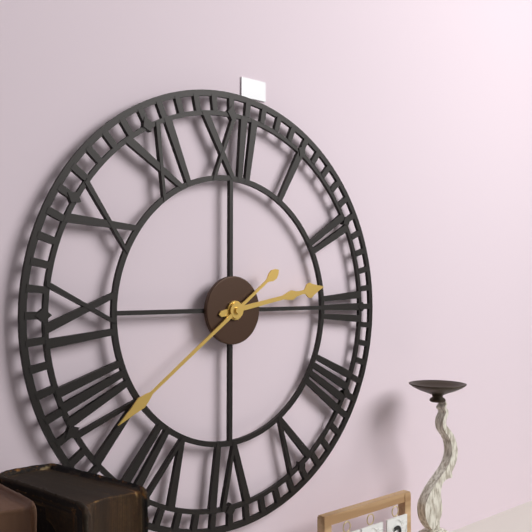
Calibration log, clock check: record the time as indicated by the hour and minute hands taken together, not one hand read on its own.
2:39
